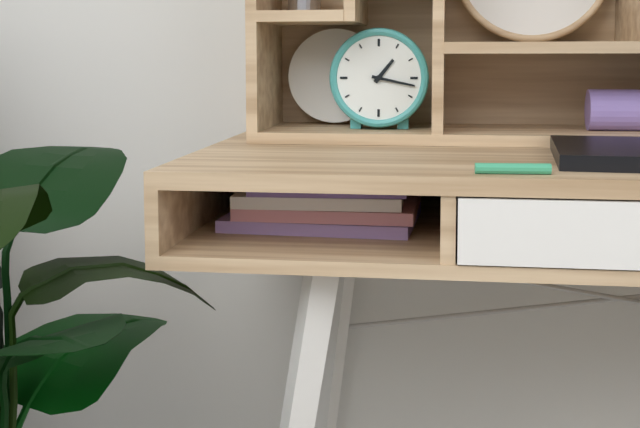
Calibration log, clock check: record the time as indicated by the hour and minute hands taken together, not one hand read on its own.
1:17
